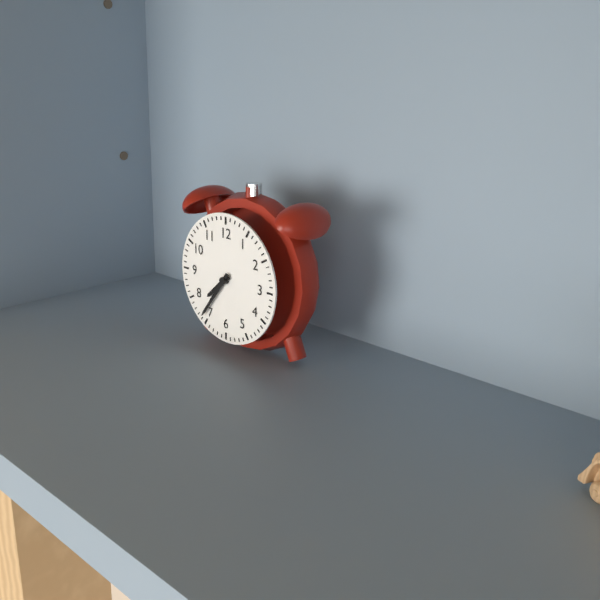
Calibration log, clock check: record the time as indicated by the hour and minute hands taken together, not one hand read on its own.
7:36
